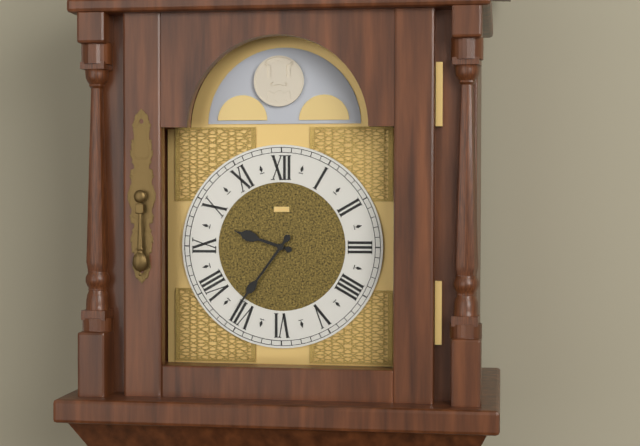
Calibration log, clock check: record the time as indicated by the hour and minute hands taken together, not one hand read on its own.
9:36
